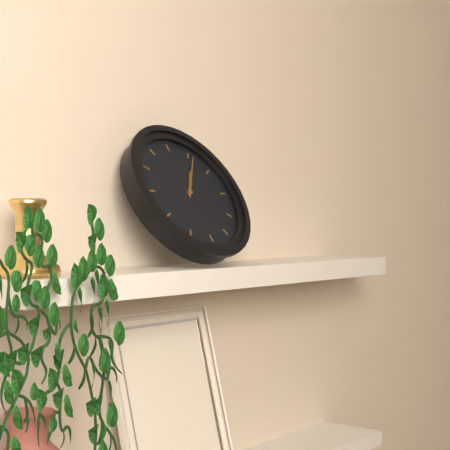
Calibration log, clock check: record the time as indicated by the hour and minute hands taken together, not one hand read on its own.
1:06
